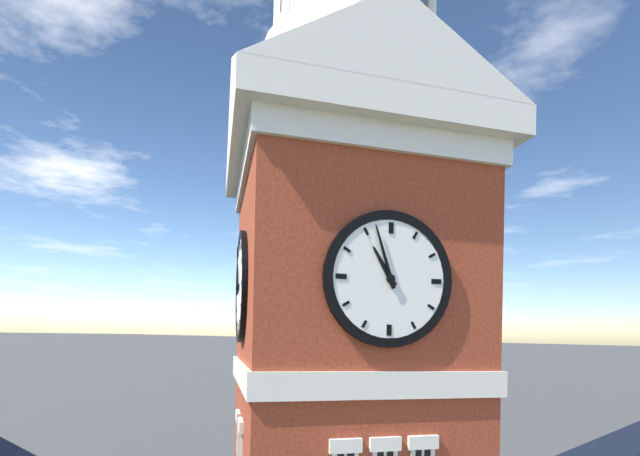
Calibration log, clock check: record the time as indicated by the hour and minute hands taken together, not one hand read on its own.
10:57
